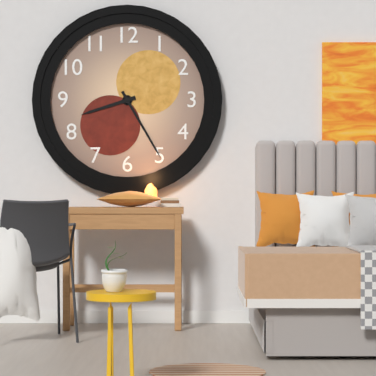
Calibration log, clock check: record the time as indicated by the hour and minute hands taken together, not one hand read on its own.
8:25
